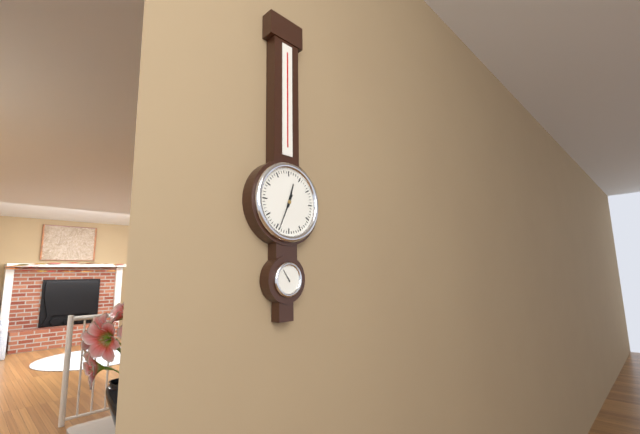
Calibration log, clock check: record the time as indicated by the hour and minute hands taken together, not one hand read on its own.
12:34
